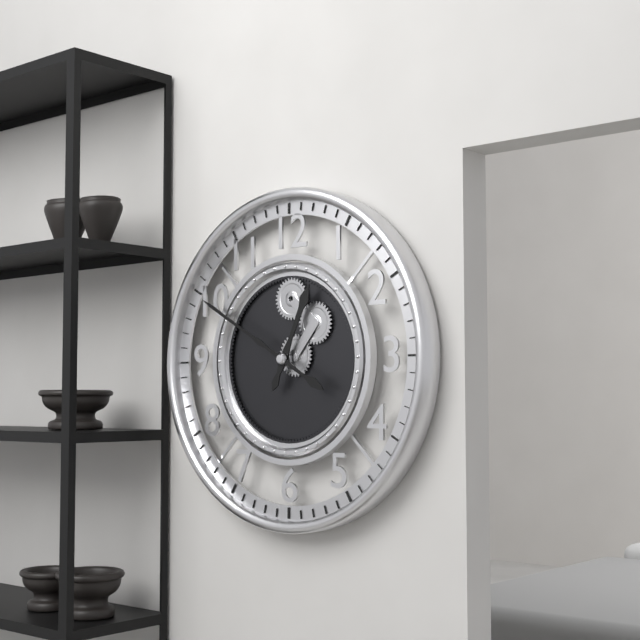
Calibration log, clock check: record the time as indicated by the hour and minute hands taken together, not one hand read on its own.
12:50
